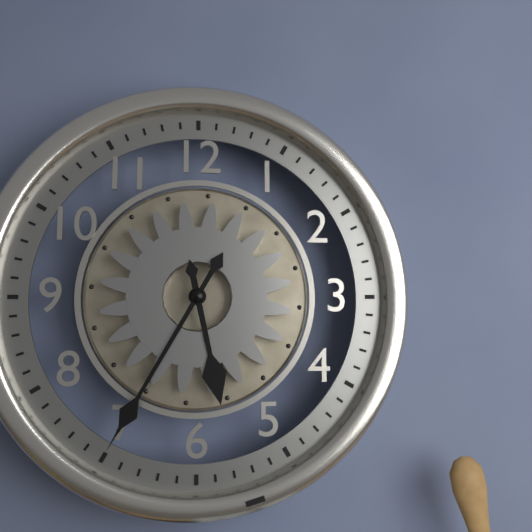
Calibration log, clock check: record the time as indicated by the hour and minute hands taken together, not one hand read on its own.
5:35
